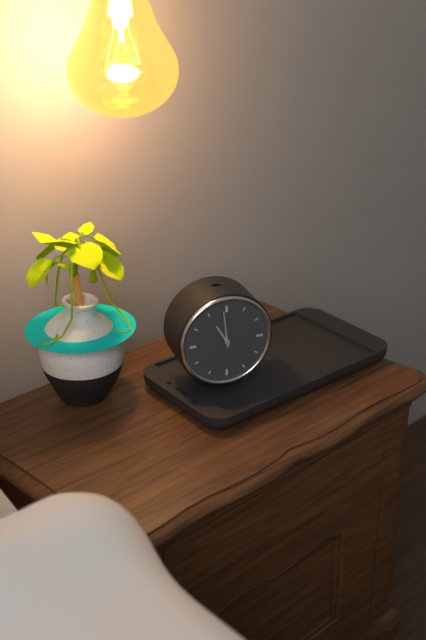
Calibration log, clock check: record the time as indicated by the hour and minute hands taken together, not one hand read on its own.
10:59
